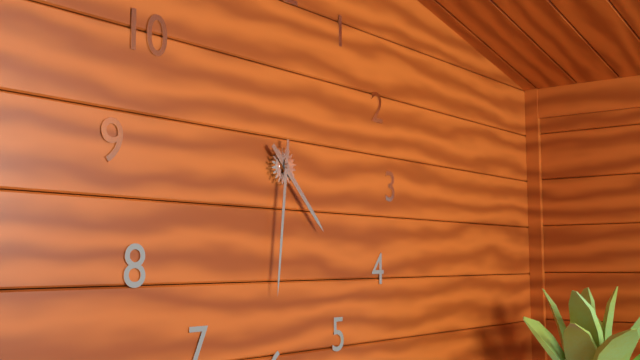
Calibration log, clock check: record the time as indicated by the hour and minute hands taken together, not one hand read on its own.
4:31
